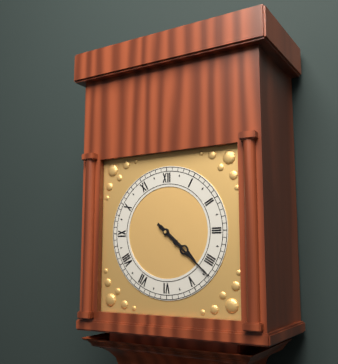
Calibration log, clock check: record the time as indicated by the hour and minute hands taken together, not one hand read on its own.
4:22
